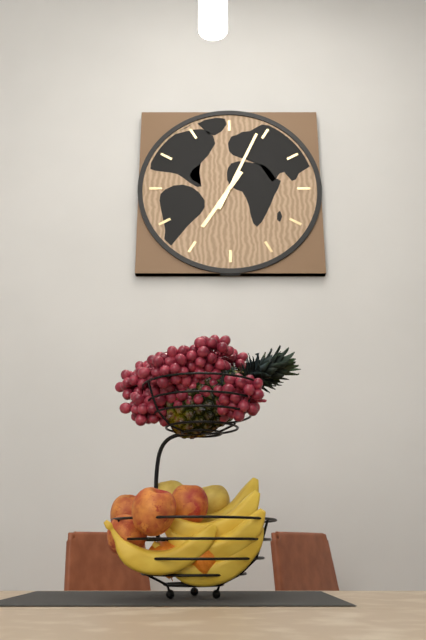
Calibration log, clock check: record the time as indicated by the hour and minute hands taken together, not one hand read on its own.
7:04
